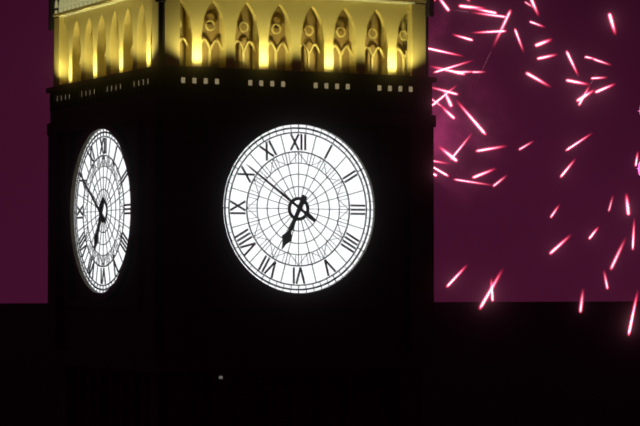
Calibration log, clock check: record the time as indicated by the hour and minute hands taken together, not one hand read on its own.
6:51
